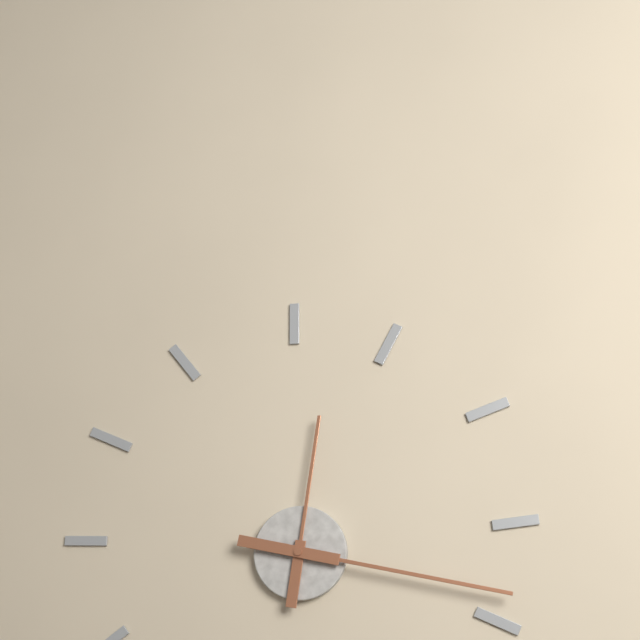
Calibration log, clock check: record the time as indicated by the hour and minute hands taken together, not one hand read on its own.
12:17
